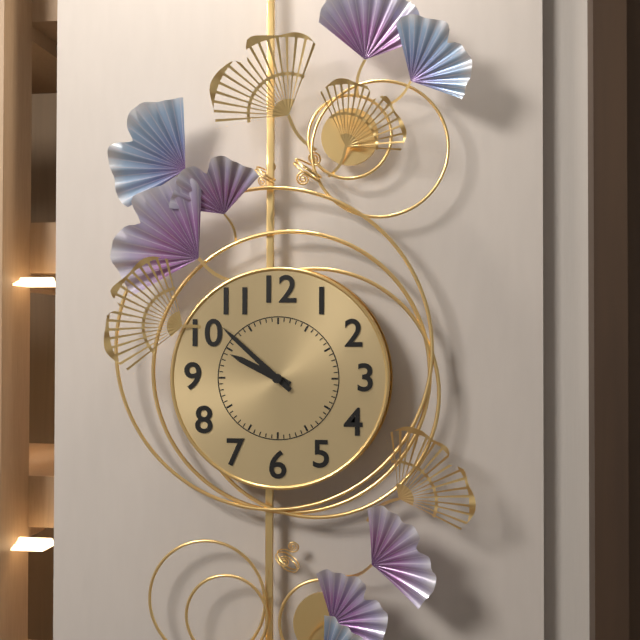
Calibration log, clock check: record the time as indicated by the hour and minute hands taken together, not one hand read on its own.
9:52
